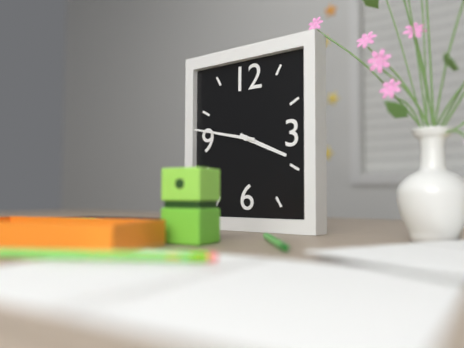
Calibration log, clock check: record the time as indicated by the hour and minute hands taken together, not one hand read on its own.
3:47
